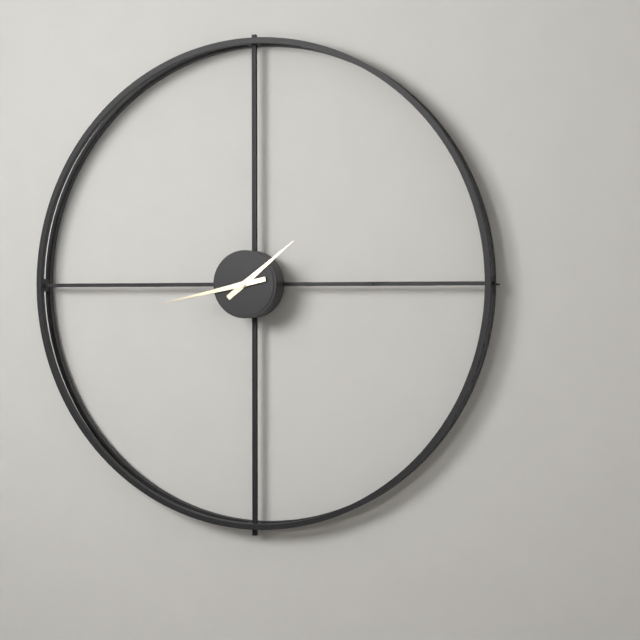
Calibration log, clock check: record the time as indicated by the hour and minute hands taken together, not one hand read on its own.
1:43
